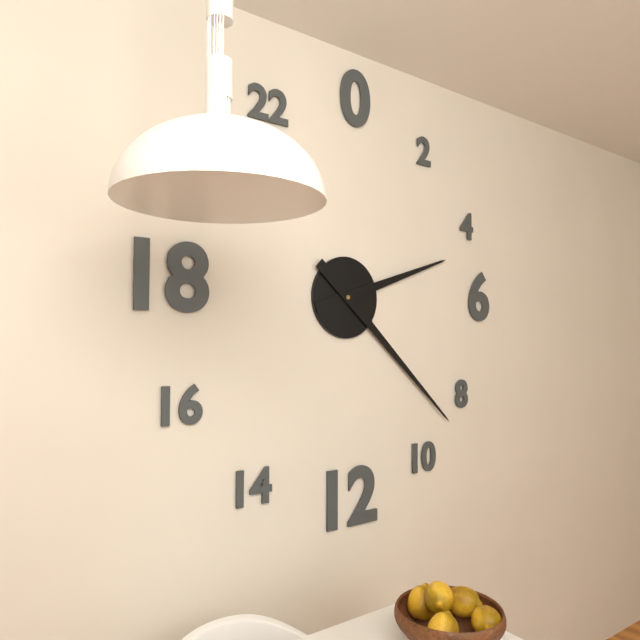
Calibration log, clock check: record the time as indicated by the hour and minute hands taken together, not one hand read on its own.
2:22
